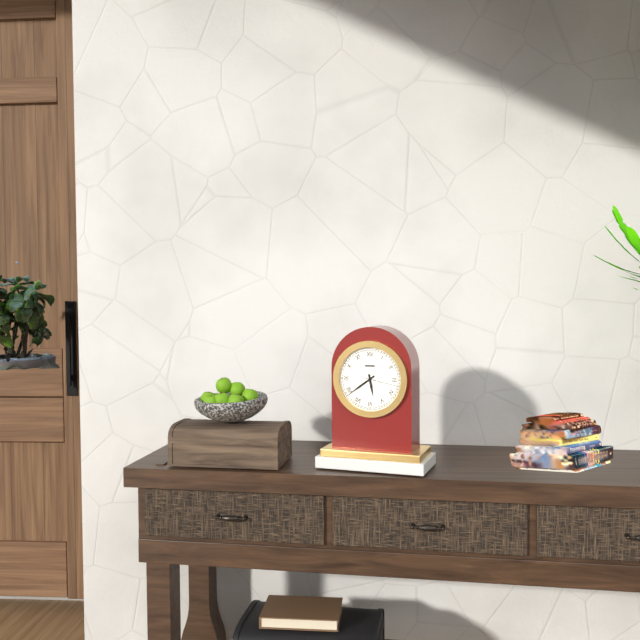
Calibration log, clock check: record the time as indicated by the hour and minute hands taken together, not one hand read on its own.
5:39
